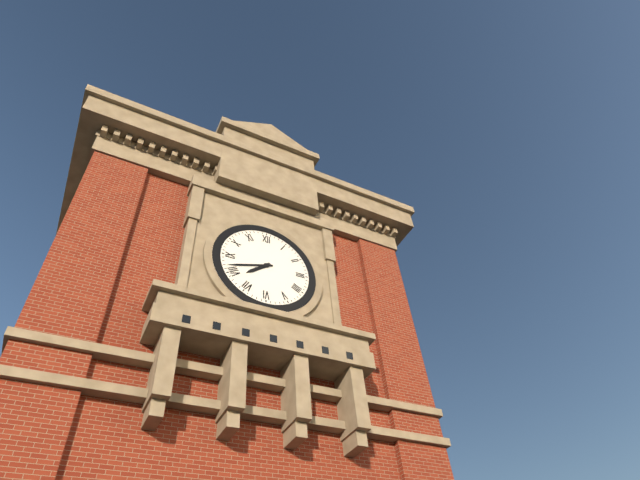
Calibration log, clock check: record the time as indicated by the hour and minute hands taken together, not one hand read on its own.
7:42
